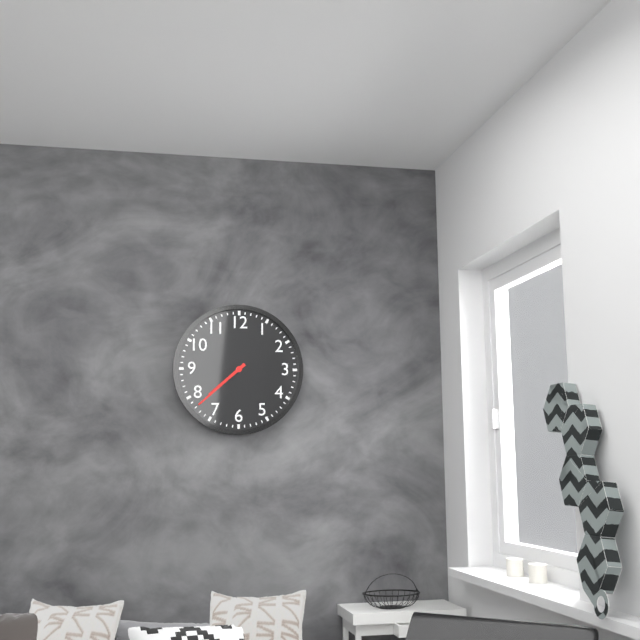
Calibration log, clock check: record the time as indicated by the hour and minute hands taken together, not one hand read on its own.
7:38
